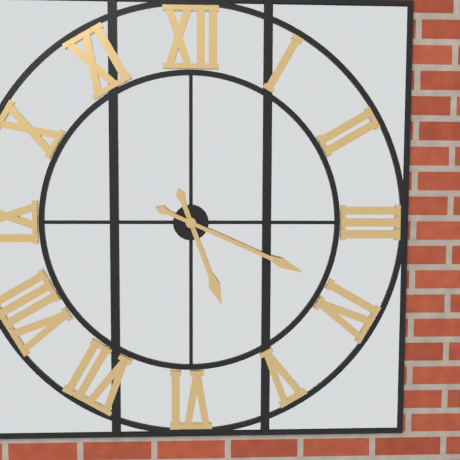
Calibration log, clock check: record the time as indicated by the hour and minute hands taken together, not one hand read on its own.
5:19
